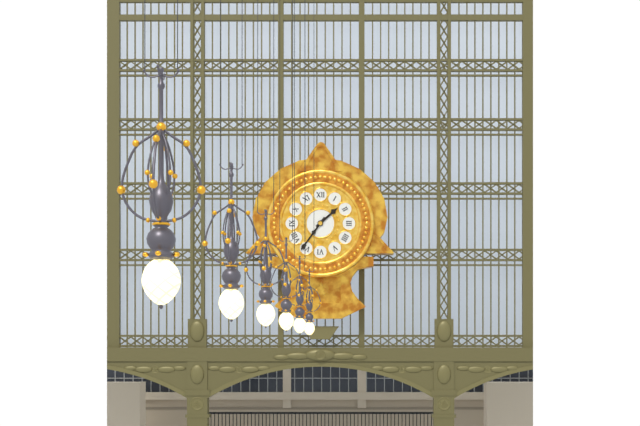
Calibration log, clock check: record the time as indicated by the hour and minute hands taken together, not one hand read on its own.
1:36
